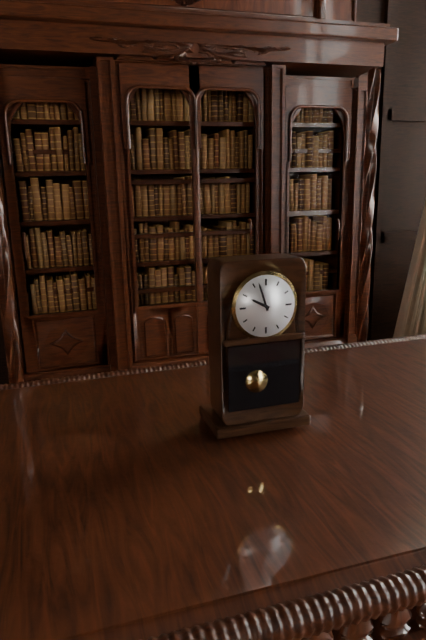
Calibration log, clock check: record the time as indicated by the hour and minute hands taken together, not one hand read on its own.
9:57
